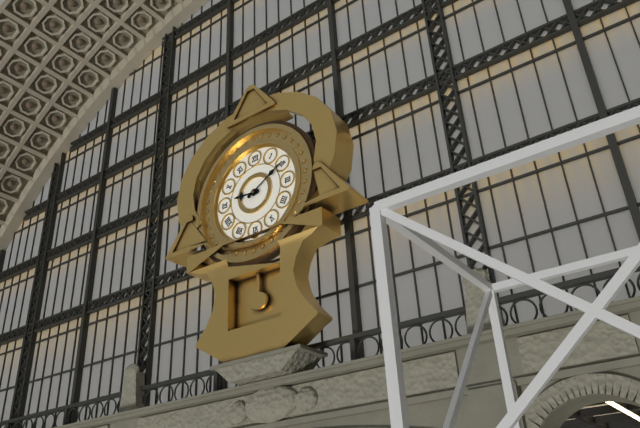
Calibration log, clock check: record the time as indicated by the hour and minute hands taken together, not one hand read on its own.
9:10
